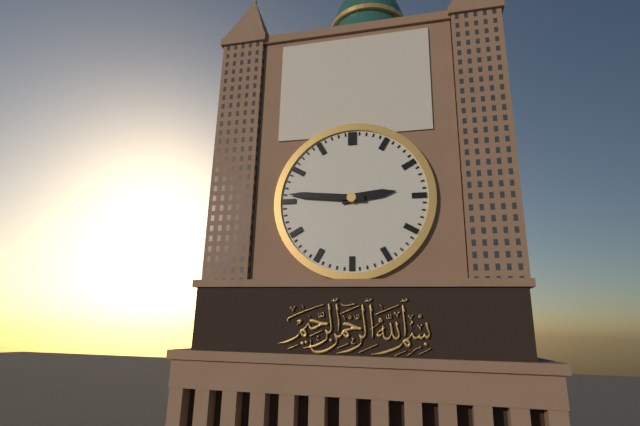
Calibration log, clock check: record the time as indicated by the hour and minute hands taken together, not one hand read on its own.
2:46
